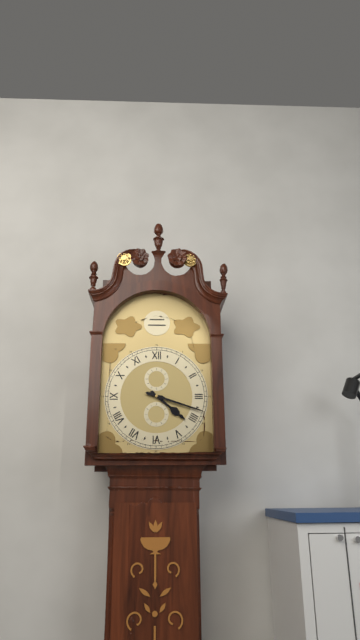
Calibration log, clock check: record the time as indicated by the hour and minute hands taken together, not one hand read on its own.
4:18
